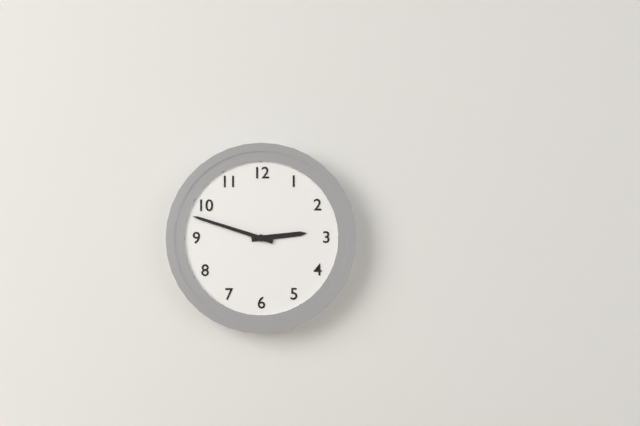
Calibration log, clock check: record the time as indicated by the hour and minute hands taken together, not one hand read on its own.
2:48
